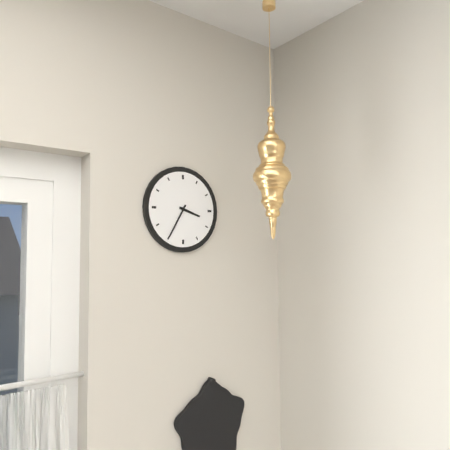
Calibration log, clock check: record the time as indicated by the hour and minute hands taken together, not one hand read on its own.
3:35
